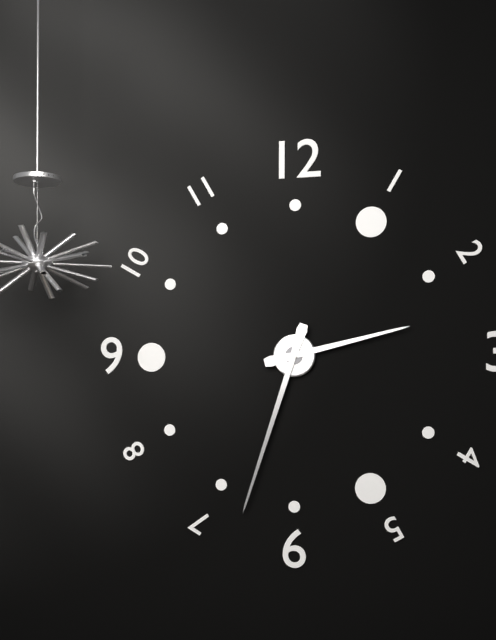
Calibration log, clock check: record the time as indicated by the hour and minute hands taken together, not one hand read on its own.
2:33
